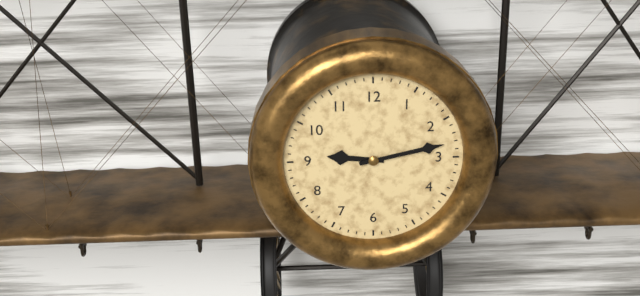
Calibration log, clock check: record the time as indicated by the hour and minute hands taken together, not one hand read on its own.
9:13
